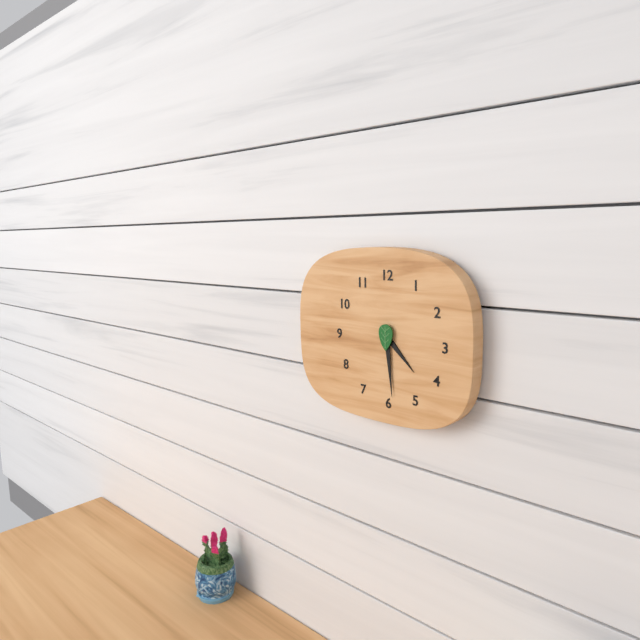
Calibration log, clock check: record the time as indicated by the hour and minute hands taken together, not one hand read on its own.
4:29
